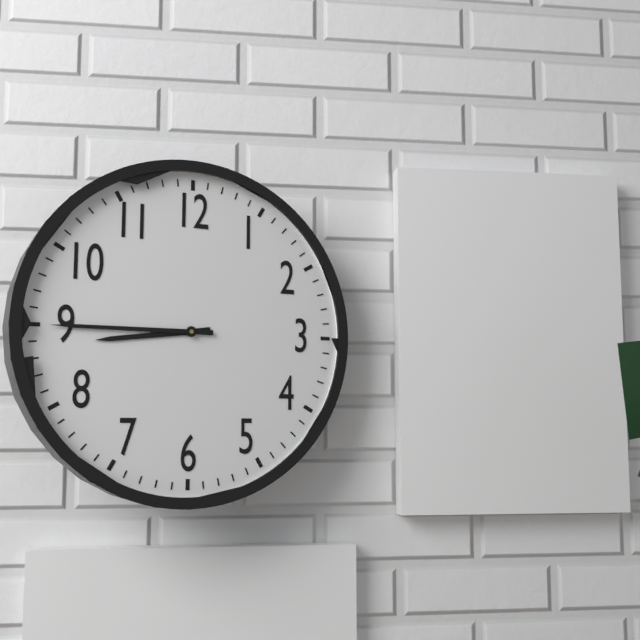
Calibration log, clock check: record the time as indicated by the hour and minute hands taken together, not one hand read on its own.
8:45
